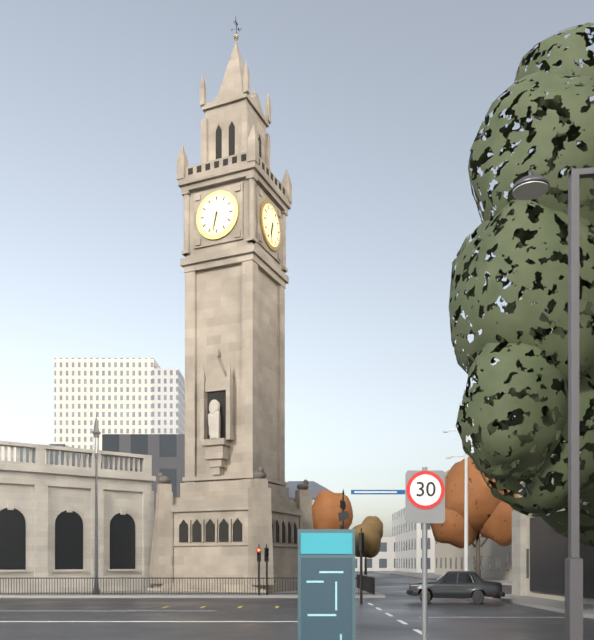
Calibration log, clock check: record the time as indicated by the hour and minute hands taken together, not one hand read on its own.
6:32
